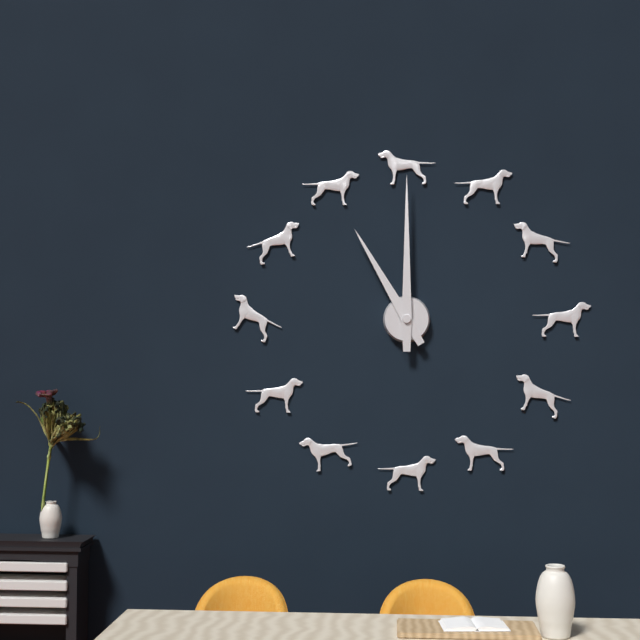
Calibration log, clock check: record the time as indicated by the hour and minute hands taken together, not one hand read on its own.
11:00
